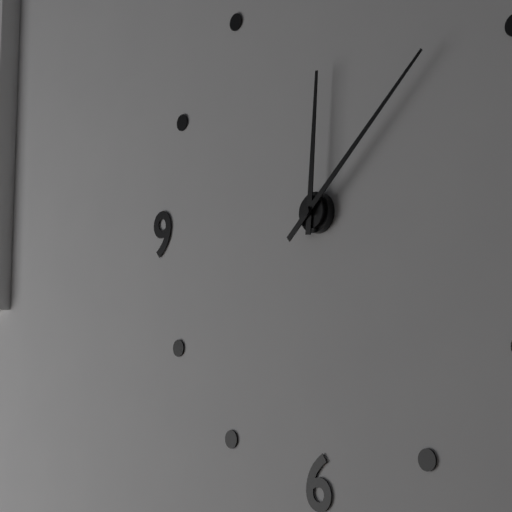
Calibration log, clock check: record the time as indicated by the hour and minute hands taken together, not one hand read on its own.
12:08
